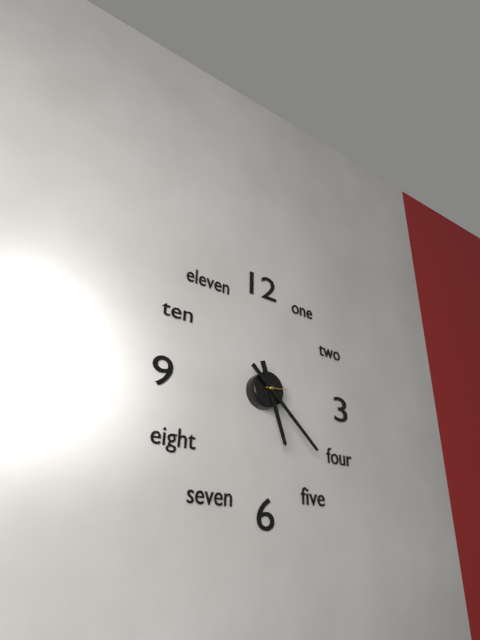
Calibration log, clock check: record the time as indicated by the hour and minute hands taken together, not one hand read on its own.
5:22
